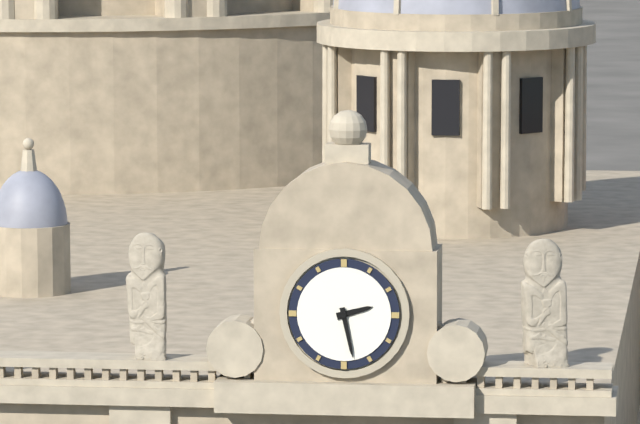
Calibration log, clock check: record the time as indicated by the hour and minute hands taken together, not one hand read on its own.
2:28
